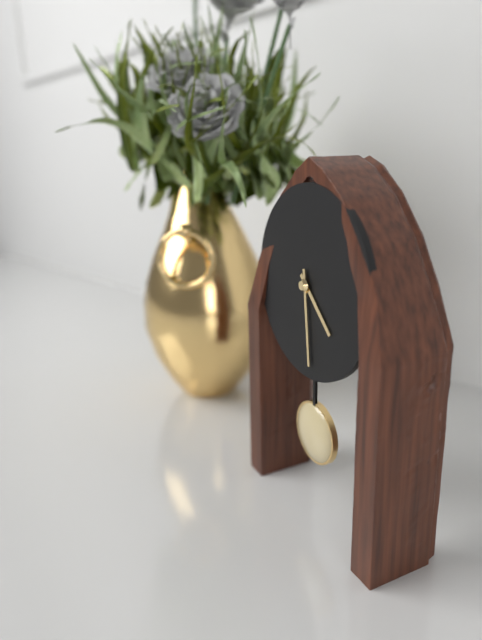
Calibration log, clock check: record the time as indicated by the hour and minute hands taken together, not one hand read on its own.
4:29
